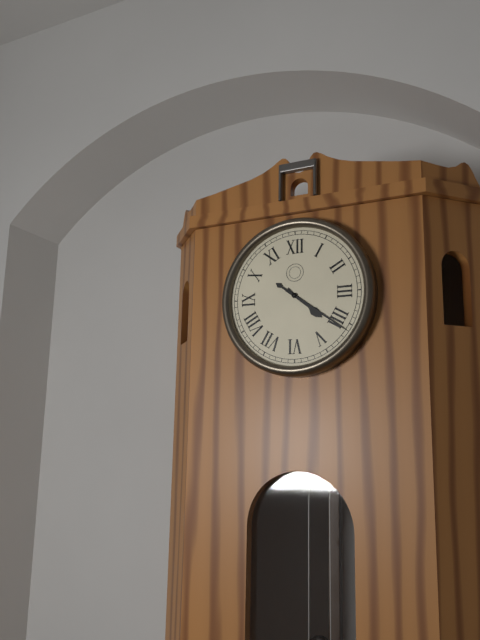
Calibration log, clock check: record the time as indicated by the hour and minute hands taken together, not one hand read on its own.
4:21
